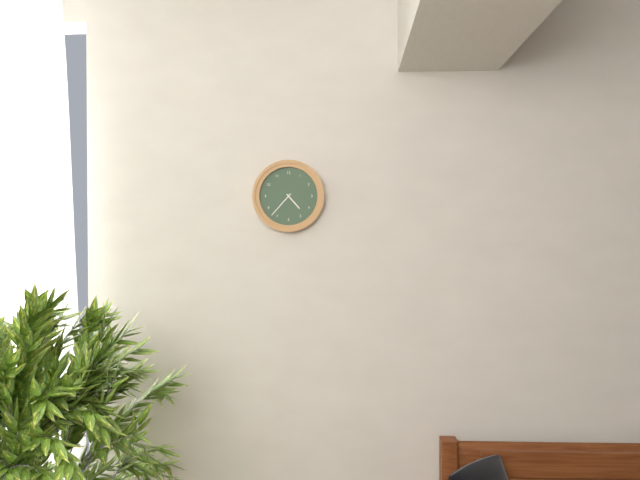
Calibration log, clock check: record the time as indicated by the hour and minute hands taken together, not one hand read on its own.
4:37
